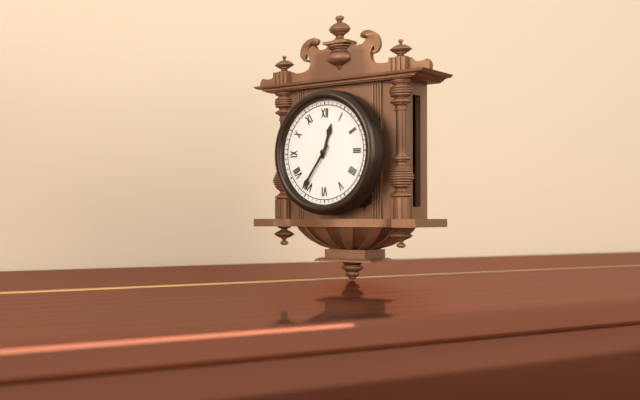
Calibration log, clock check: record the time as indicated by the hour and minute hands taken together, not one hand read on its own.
12:36
